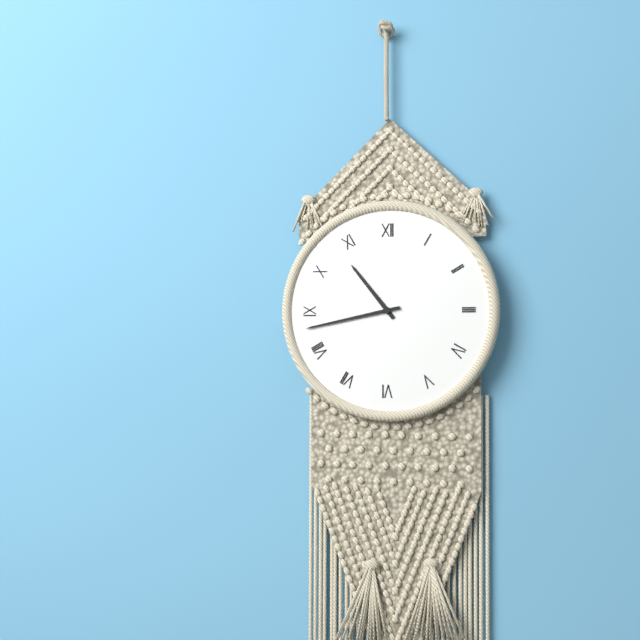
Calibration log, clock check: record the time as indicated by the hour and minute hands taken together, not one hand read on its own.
10:43
